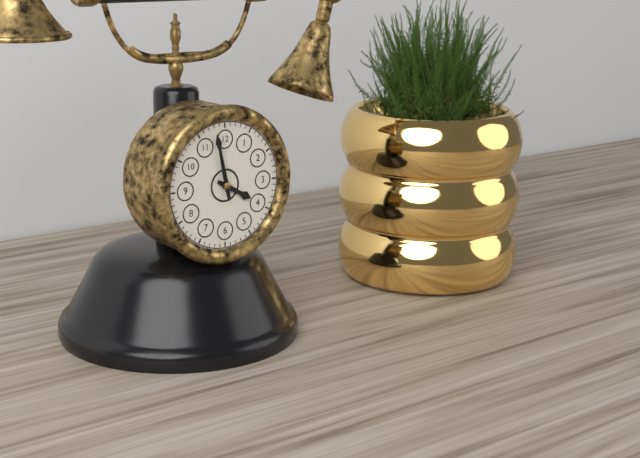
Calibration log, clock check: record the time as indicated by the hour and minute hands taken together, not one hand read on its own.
3:58
